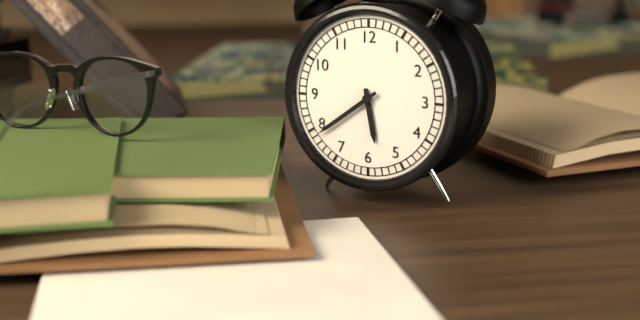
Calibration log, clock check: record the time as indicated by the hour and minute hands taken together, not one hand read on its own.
5:39
